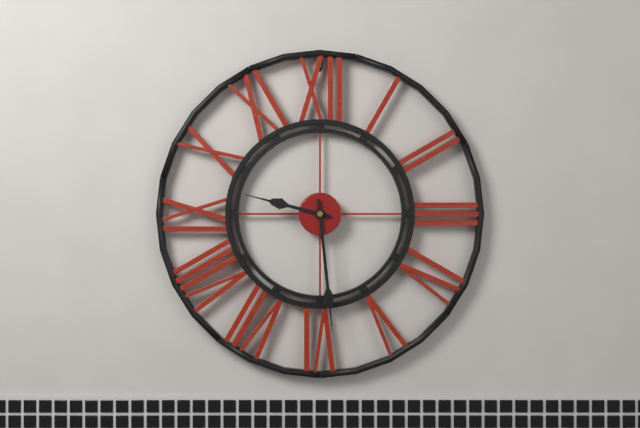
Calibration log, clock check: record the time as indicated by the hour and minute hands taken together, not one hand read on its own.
9:29
